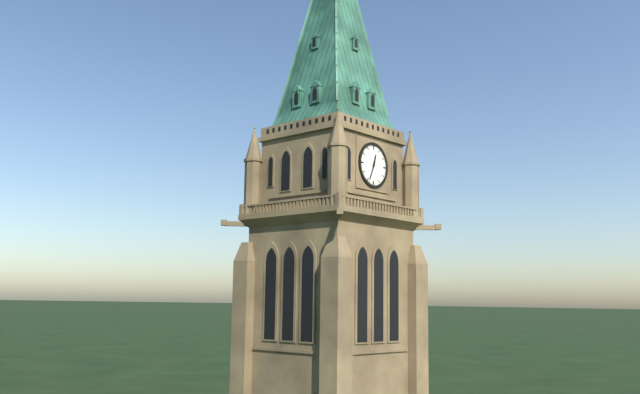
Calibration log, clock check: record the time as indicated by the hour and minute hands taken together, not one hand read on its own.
12:34
